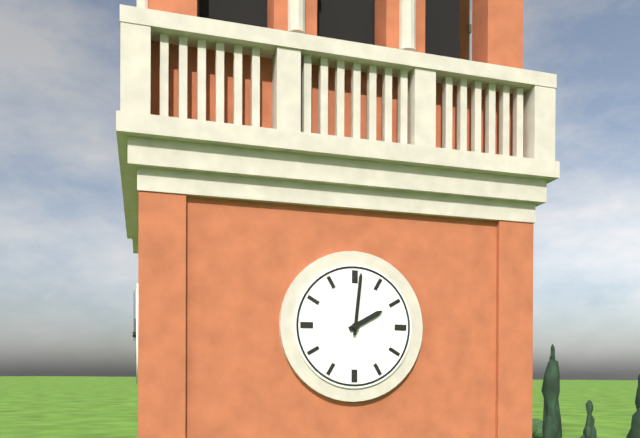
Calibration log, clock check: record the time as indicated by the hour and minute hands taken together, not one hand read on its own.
2:01
